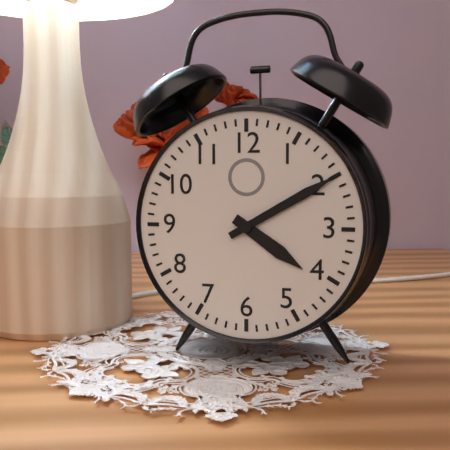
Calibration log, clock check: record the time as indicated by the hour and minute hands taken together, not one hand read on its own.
4:10
